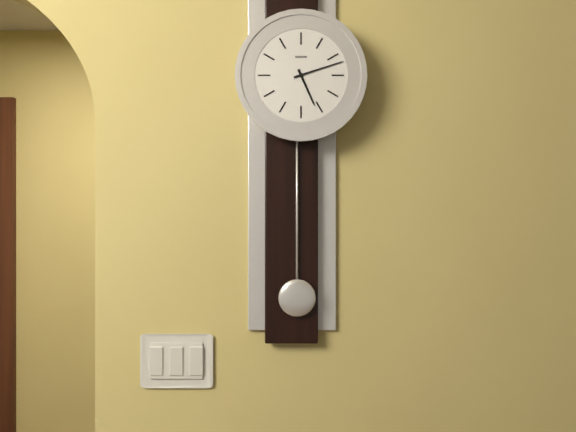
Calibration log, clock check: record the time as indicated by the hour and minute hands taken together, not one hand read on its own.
5:12
